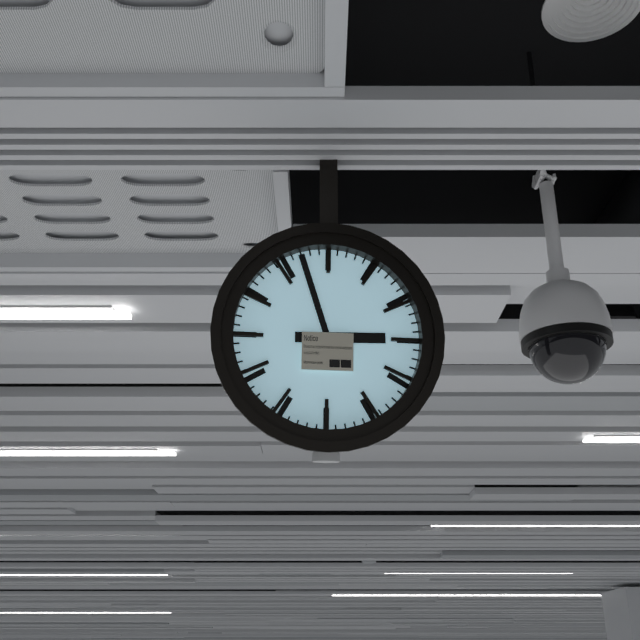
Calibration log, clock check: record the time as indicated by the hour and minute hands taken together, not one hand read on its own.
2:57
